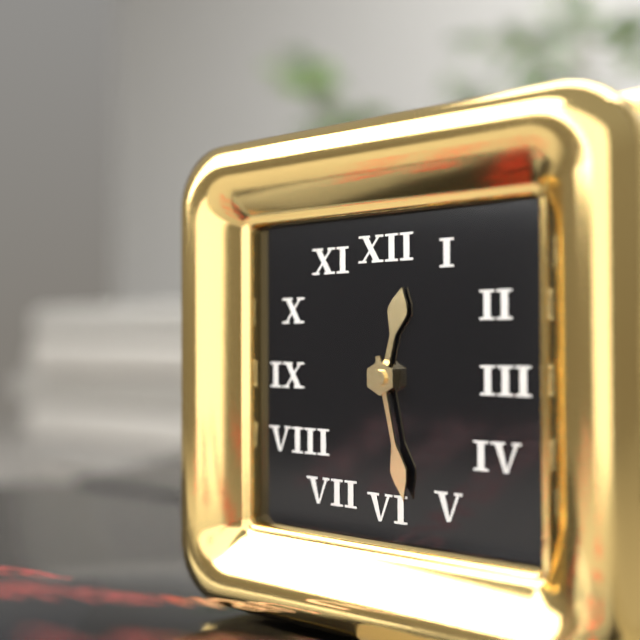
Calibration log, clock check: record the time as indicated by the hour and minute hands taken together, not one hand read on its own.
12:28
